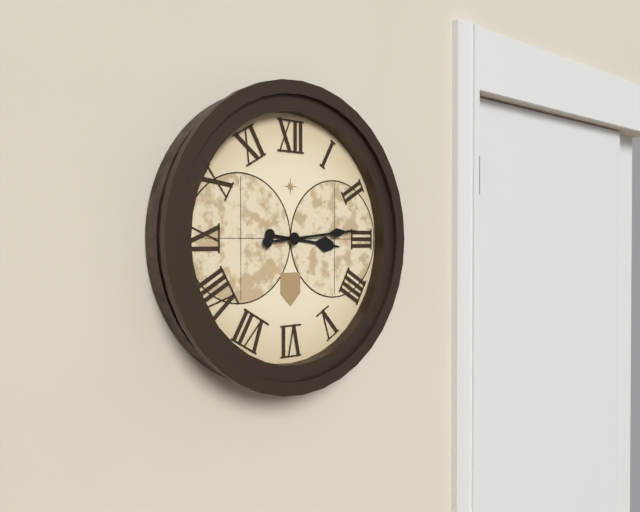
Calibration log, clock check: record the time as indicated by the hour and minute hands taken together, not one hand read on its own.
3:14
